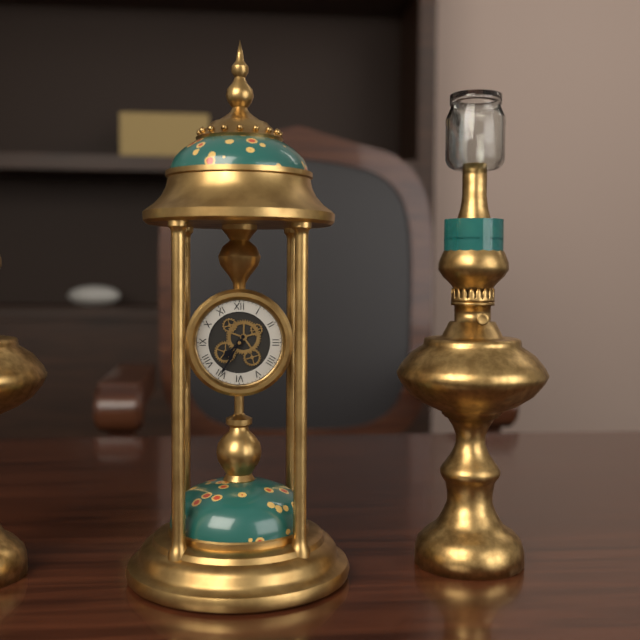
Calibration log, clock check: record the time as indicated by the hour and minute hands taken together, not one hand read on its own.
7:35
